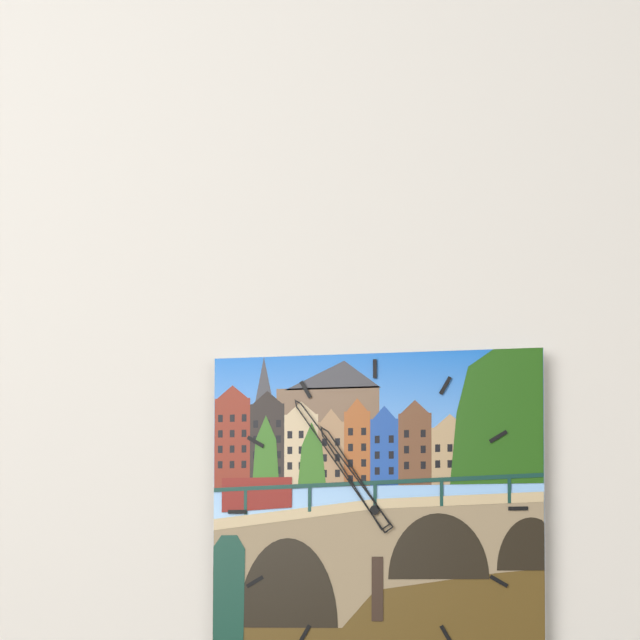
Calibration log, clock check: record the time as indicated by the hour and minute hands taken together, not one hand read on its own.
10:54
